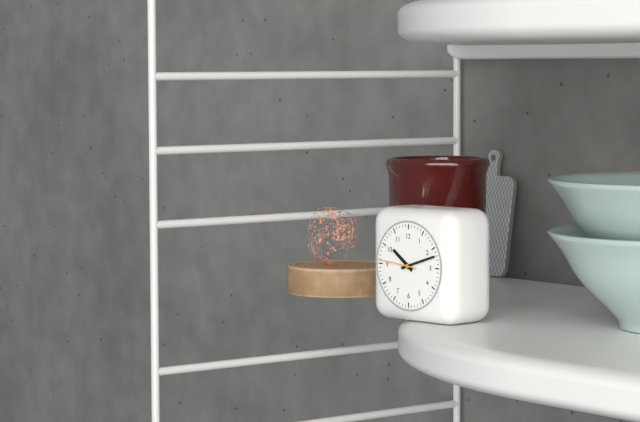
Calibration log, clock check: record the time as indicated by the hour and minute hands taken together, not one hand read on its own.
10:12
